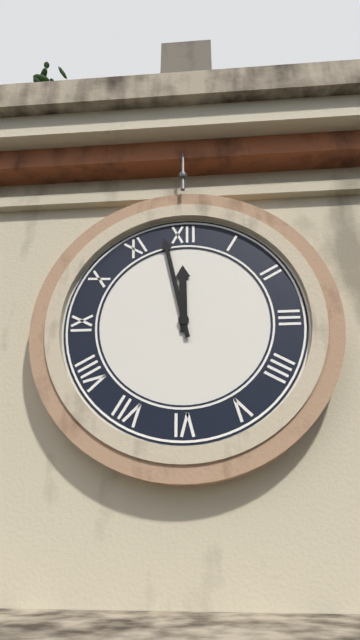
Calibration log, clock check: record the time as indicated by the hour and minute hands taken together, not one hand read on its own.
11:58
